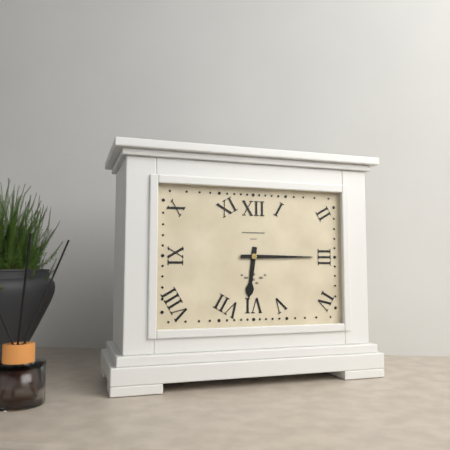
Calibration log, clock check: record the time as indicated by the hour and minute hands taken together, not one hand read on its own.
6:15
